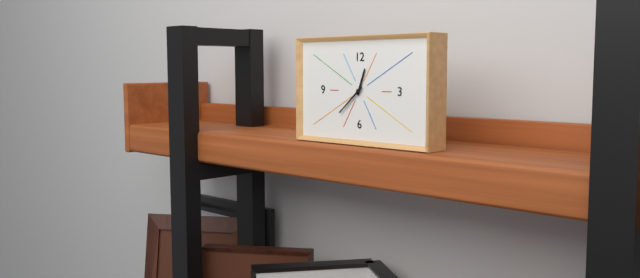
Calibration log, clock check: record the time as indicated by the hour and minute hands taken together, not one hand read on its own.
12:38
